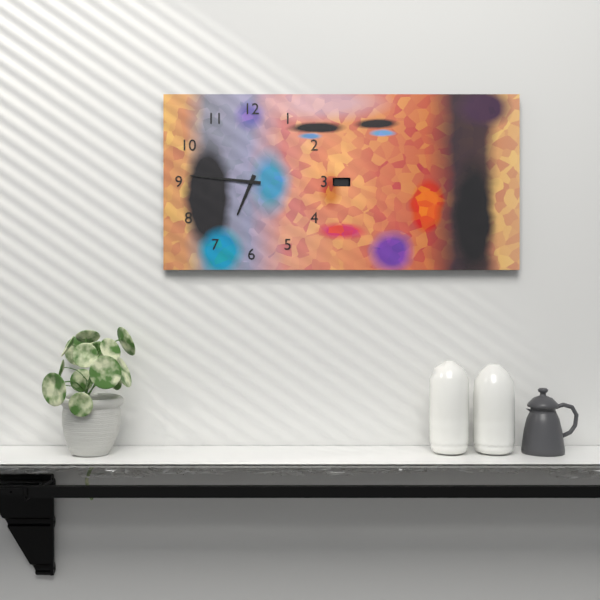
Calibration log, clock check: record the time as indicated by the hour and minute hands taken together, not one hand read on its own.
6:46
